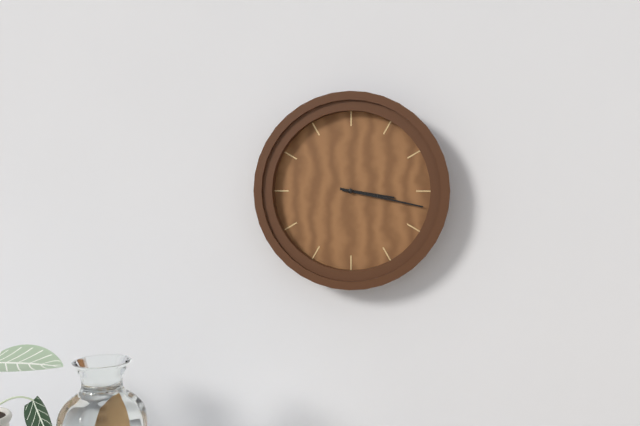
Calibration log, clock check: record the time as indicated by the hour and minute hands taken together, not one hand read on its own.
3:17
